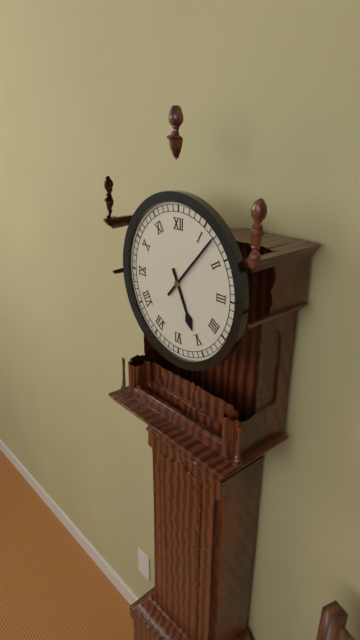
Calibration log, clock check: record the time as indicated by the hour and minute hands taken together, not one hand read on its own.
5:07
